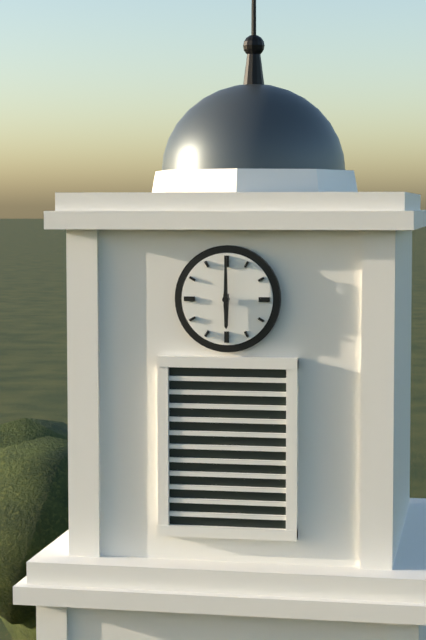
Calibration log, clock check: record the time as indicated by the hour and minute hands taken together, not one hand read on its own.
6:00
